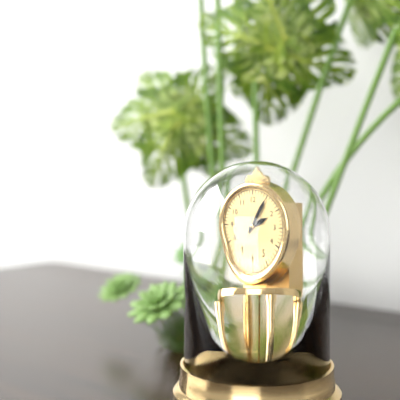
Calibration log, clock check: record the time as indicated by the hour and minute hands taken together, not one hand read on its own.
2:05
